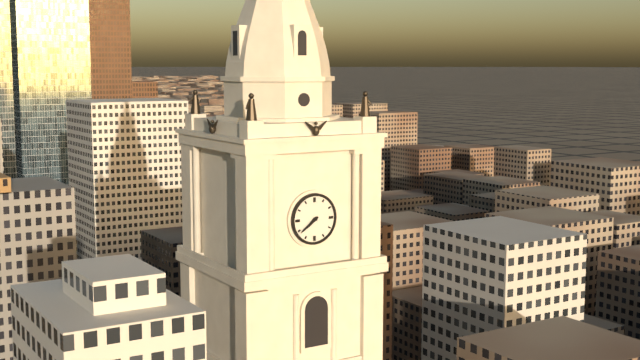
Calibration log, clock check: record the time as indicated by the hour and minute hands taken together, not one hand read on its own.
7:39
